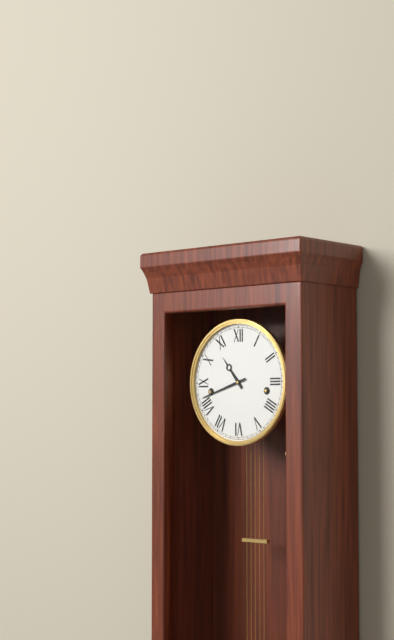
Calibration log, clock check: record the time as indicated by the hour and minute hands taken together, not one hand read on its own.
10:42
